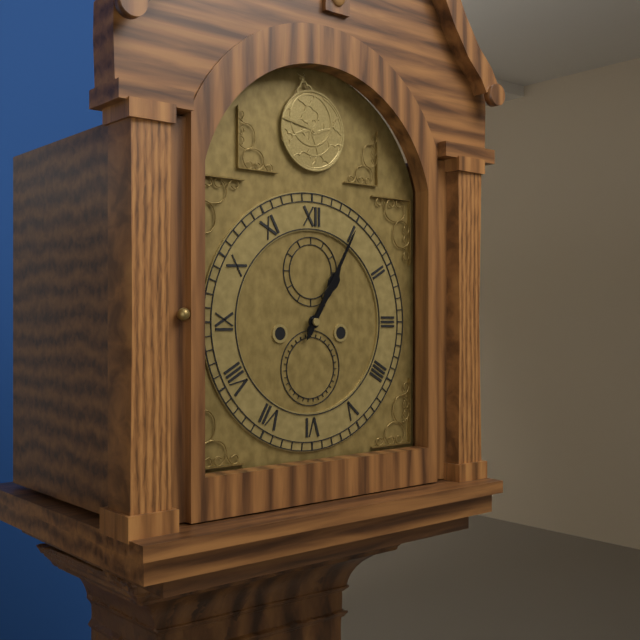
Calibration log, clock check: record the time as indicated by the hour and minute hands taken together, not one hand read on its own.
1:05
